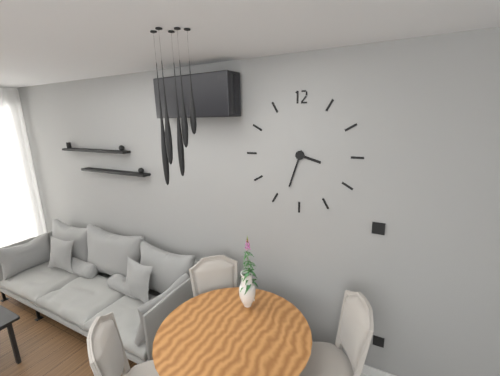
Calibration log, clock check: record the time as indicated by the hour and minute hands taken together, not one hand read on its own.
3:33
